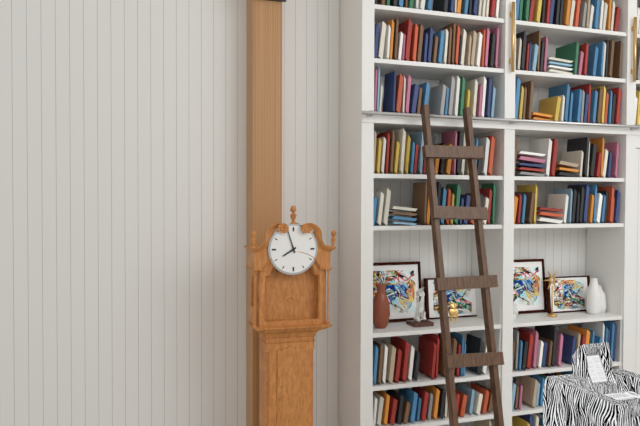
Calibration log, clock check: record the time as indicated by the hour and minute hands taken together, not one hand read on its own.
7:57
